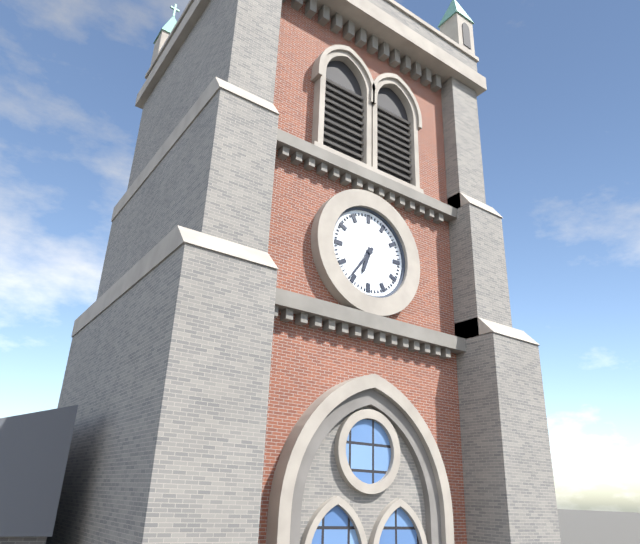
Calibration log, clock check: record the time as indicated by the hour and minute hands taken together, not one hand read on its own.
6:36
